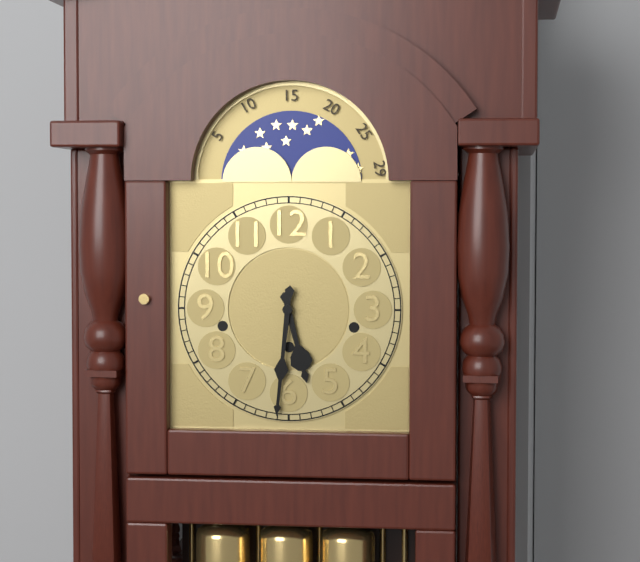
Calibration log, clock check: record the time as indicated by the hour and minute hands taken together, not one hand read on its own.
5:31
